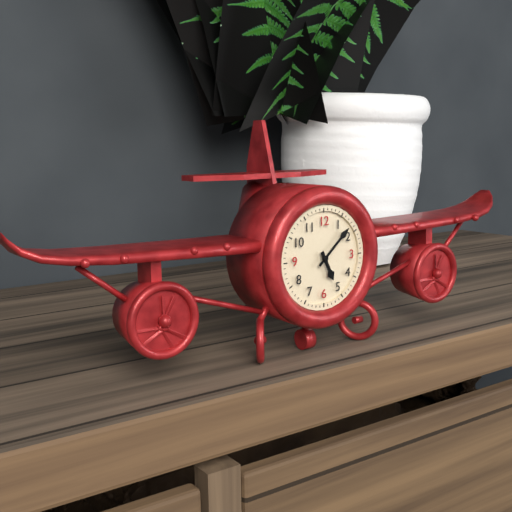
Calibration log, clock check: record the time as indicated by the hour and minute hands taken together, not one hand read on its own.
5:08
